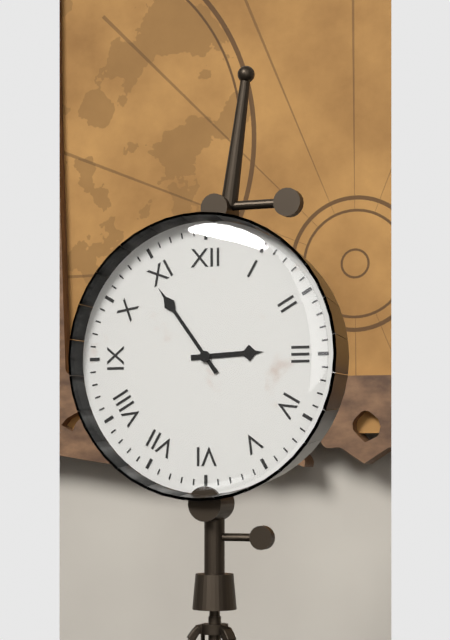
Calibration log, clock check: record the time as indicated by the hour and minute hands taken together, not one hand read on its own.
2:54
